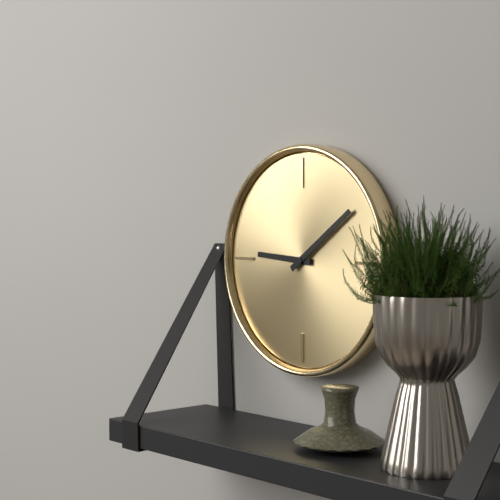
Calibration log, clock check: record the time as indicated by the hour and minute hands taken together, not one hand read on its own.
9:09
